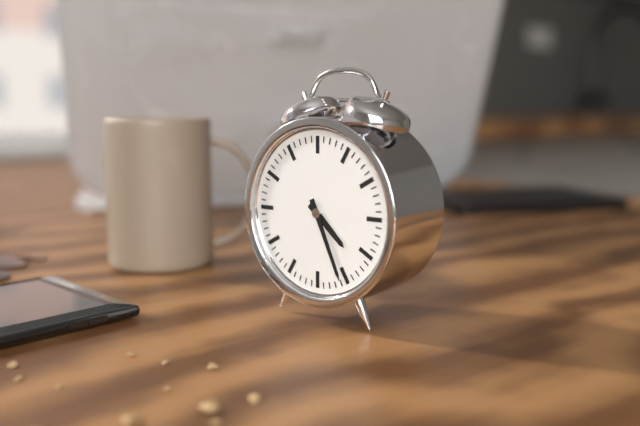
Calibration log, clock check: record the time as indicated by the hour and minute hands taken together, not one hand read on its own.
4:26
